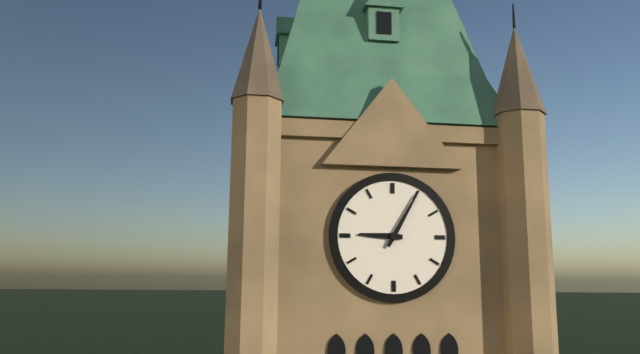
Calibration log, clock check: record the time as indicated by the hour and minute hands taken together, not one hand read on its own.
9:05
